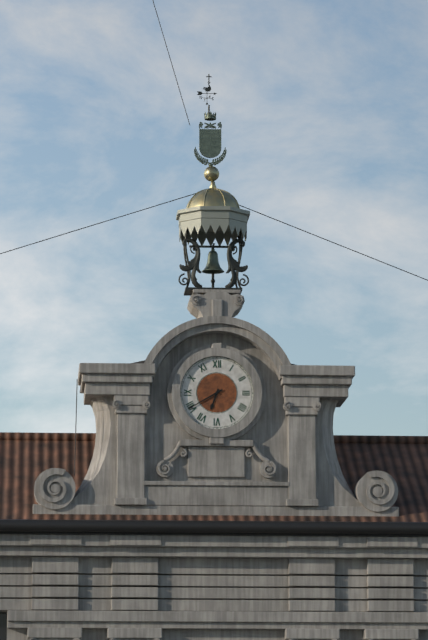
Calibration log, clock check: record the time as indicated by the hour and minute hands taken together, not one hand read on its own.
6:40
